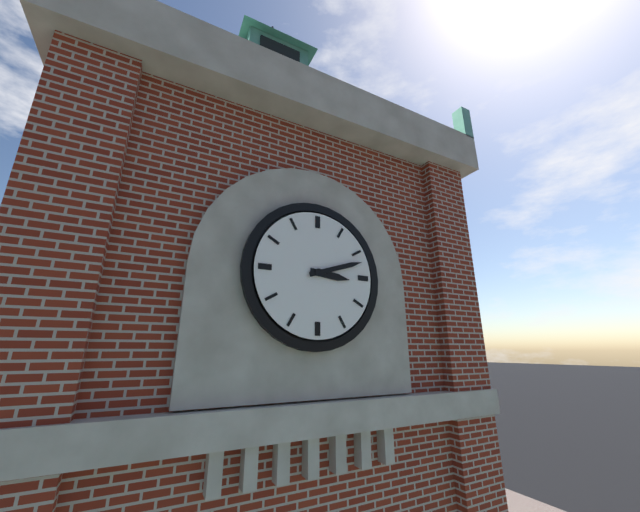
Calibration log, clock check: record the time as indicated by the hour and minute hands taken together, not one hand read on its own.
3:12
